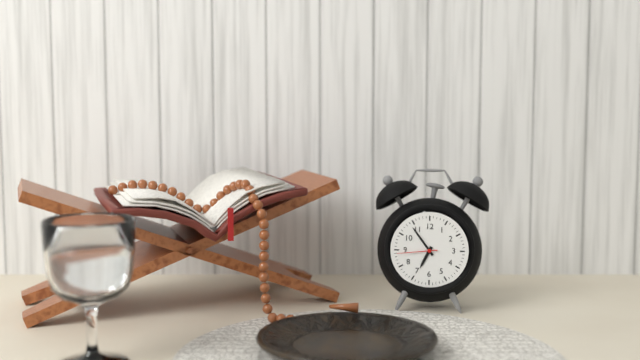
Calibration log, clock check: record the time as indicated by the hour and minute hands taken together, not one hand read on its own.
6:54
